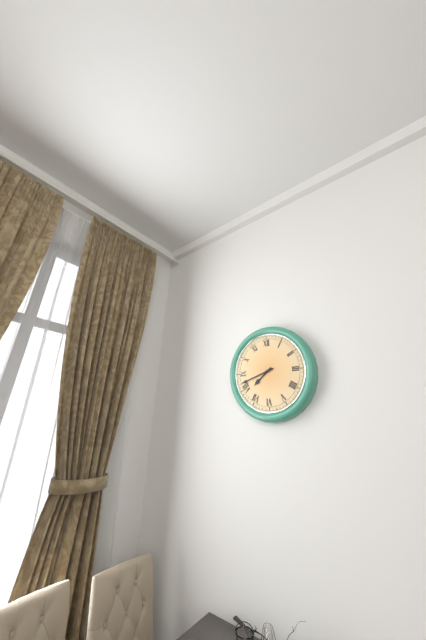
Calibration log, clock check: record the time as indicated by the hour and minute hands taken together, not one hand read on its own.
7:42
